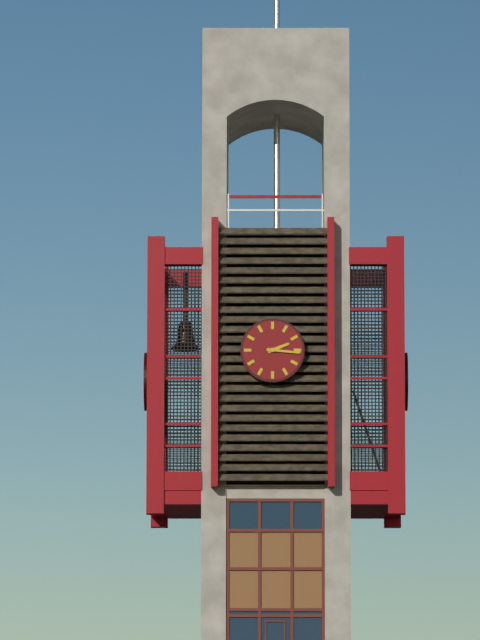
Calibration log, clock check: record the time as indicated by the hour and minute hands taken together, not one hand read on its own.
2:16
